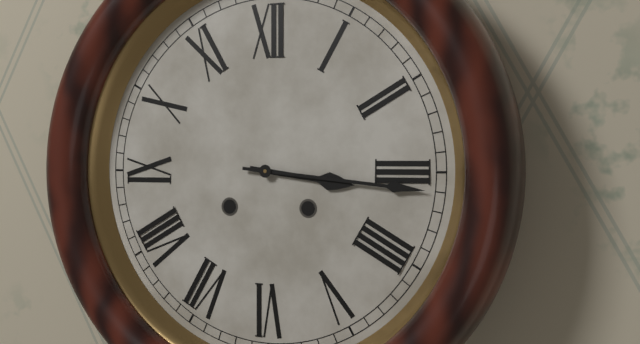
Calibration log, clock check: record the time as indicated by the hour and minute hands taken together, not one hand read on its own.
3:16
